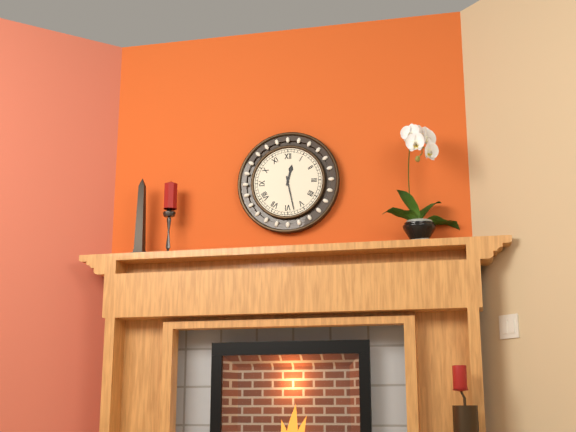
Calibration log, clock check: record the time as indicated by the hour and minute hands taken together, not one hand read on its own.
12:28
